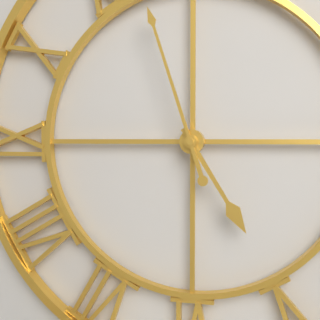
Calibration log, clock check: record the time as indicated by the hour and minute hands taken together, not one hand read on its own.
4:57
